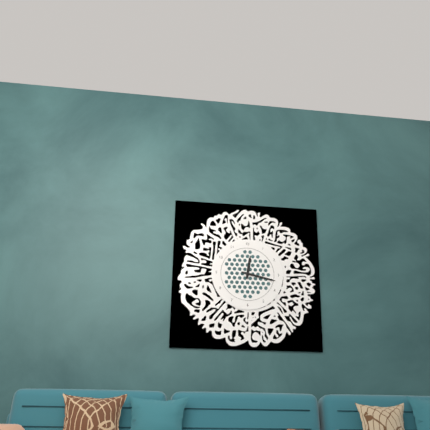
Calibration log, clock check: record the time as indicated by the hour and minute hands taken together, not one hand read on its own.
12:17
